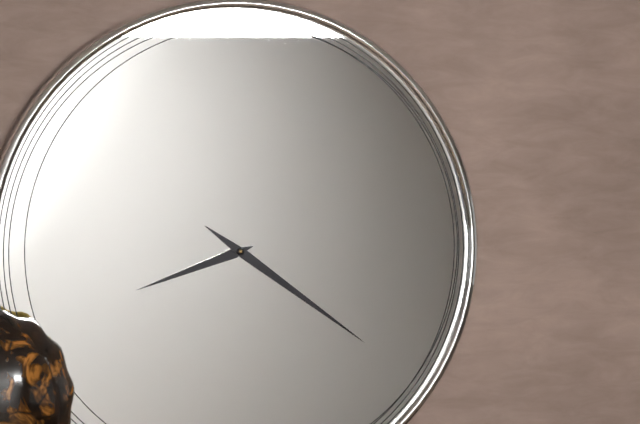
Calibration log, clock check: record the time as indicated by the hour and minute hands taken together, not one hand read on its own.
8:21
